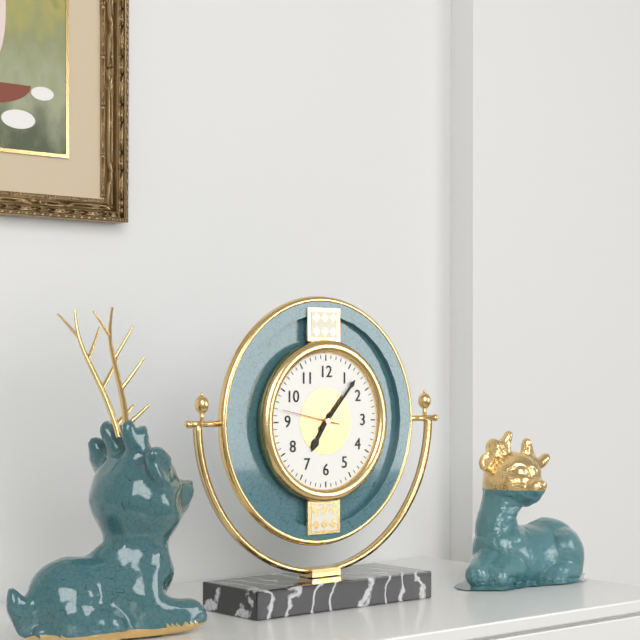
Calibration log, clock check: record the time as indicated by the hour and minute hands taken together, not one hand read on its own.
7:07
